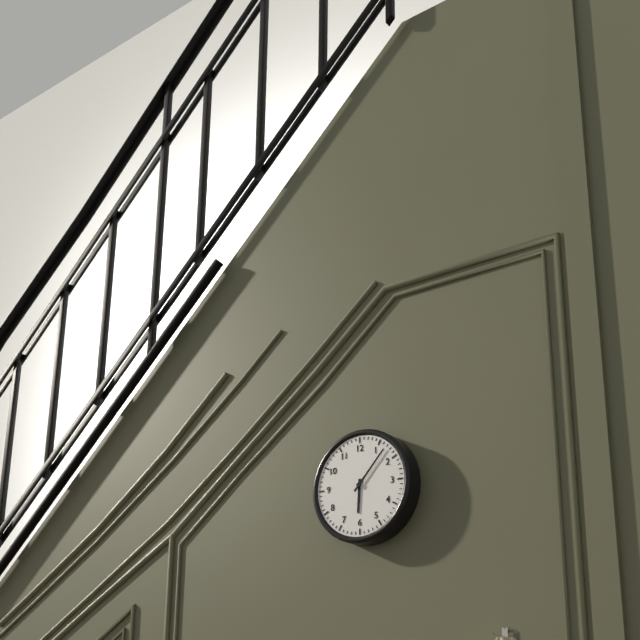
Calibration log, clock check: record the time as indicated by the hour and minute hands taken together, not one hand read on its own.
6:07
